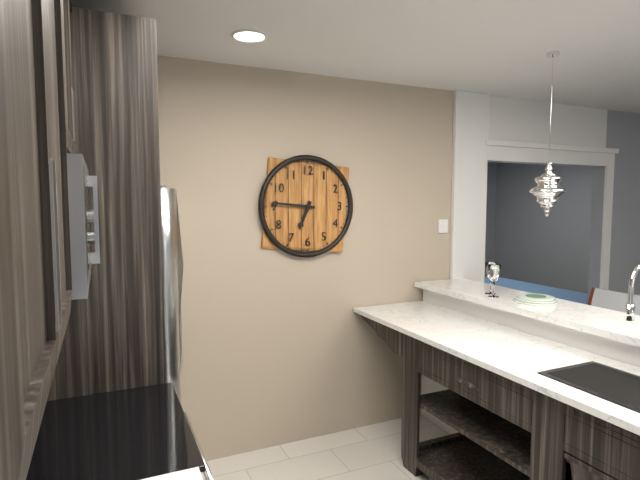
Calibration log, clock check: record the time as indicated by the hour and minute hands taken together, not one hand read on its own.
6:46
